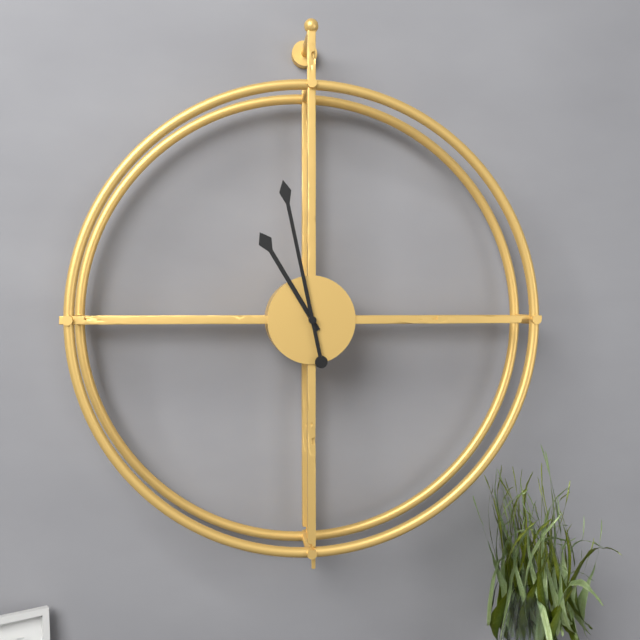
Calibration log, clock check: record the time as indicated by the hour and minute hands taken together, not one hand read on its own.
10:58
